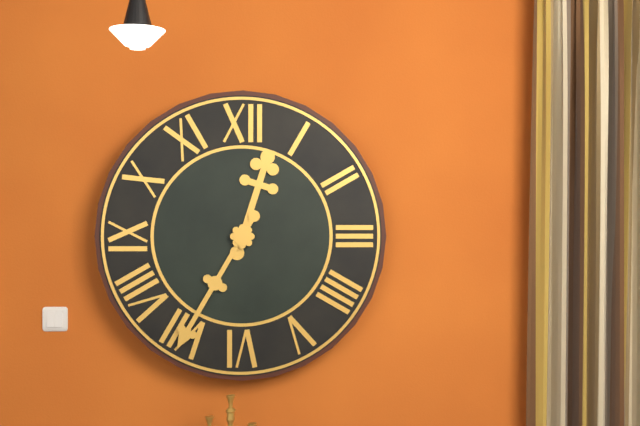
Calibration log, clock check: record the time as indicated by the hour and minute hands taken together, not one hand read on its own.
12:35
